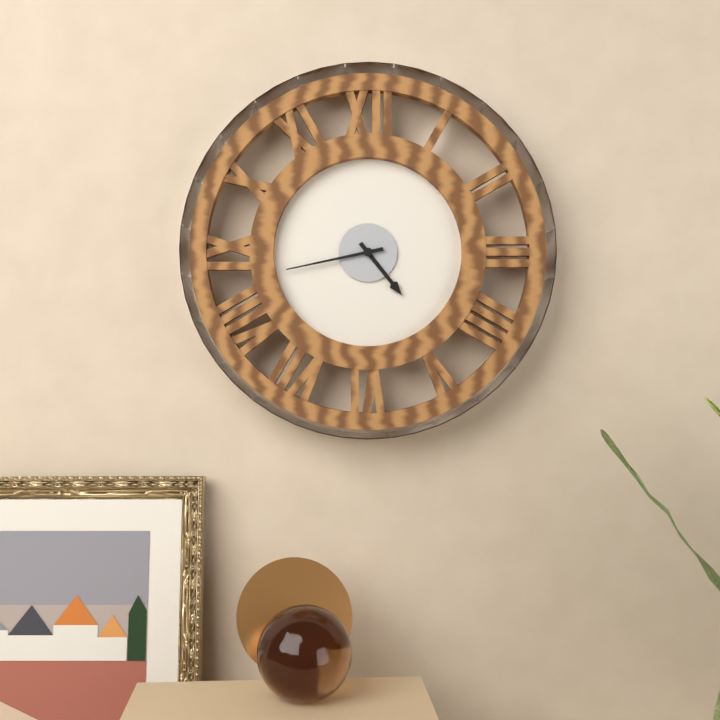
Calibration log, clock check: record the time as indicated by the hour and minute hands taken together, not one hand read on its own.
4:43
